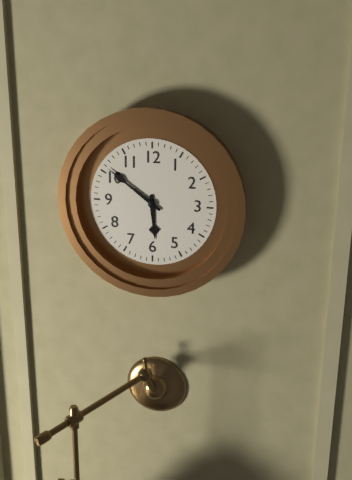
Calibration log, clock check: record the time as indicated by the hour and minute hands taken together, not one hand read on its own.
5:51
